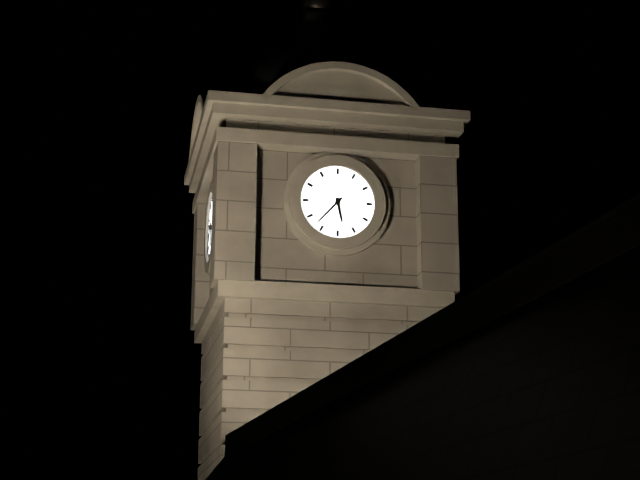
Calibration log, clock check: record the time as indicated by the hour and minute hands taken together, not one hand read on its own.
5:37
